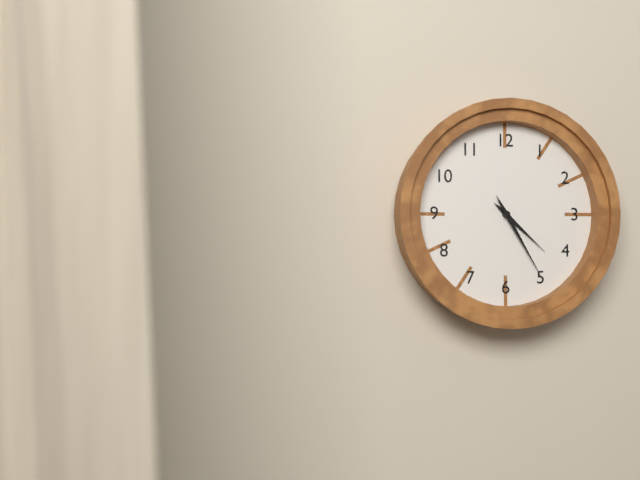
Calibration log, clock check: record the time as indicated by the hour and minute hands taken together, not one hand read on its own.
4:25
